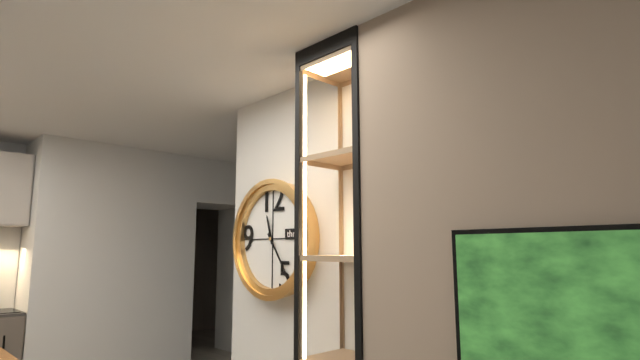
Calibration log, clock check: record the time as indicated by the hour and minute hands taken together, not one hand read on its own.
11:24
